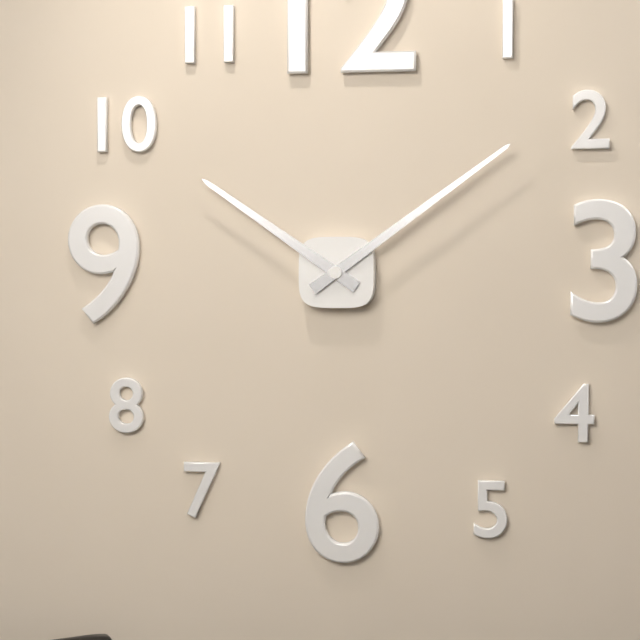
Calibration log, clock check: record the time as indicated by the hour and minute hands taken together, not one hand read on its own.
10:09
